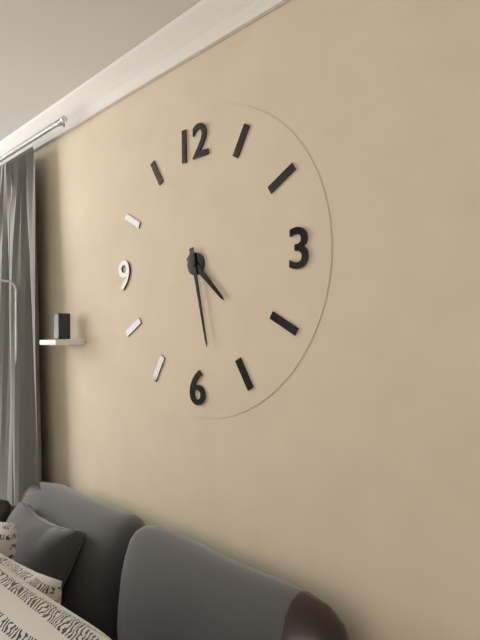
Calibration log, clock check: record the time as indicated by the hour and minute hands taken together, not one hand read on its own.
4:28
